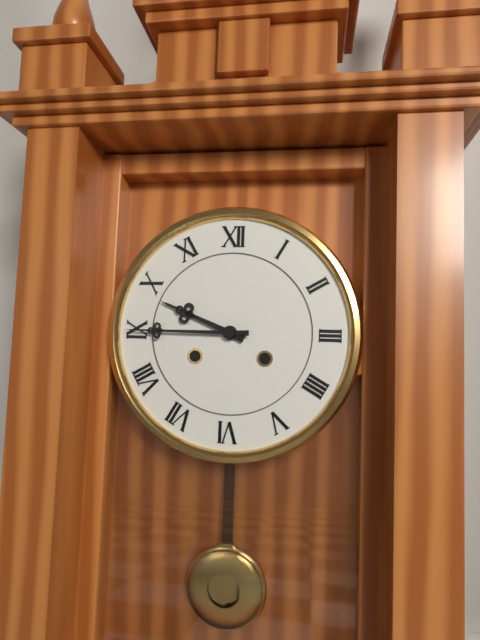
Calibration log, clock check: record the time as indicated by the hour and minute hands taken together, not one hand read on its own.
9:45
